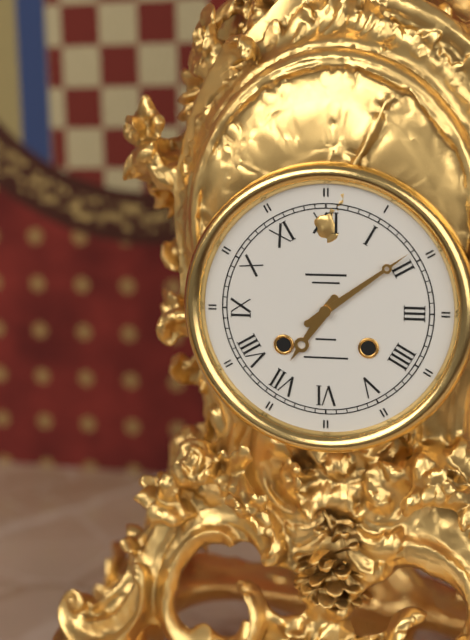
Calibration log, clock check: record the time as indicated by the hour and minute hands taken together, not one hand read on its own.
7:09
